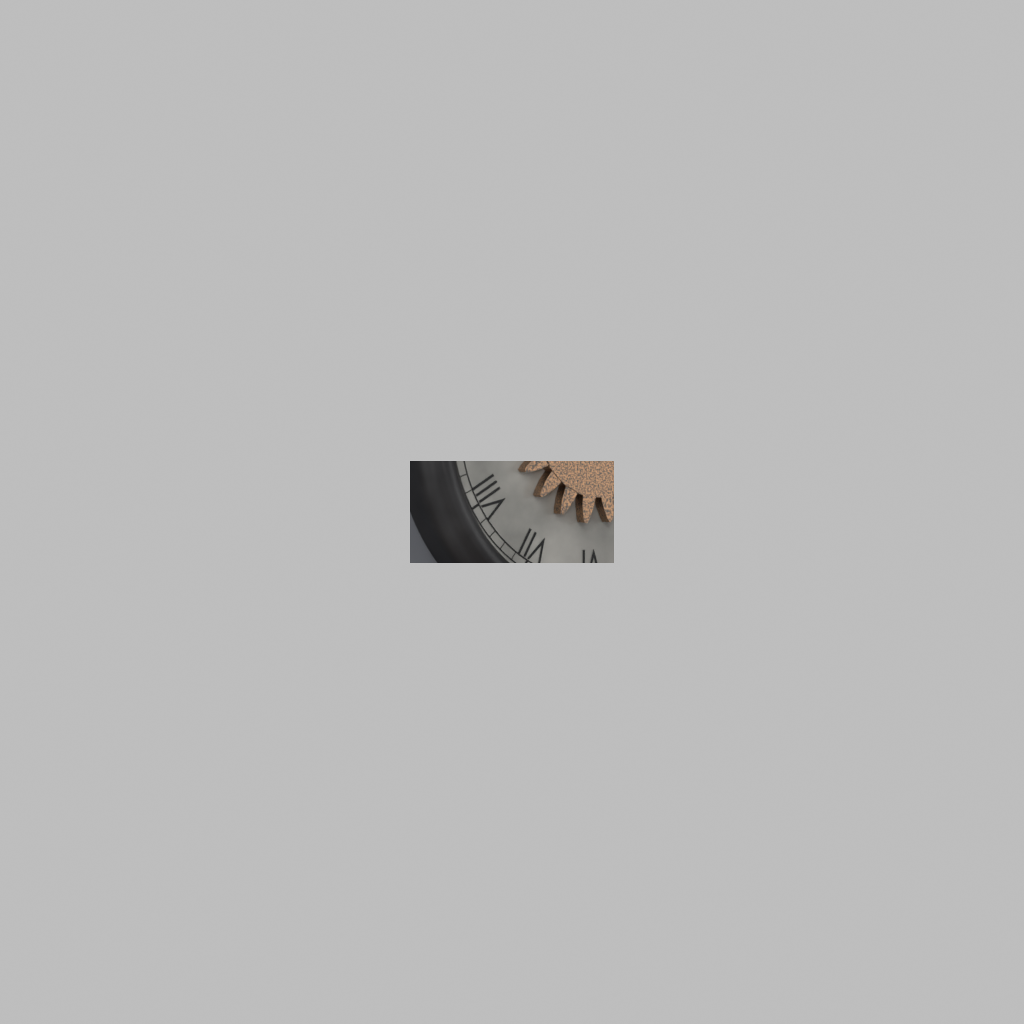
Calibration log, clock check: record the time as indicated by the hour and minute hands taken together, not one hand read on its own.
1:48
